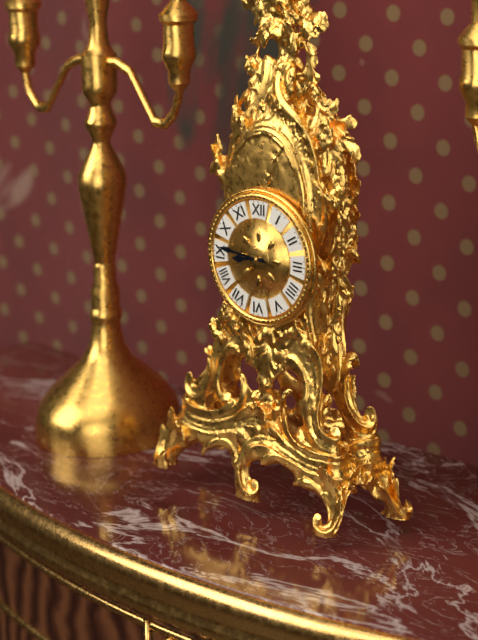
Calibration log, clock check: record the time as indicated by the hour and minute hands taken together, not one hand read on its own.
8:46
